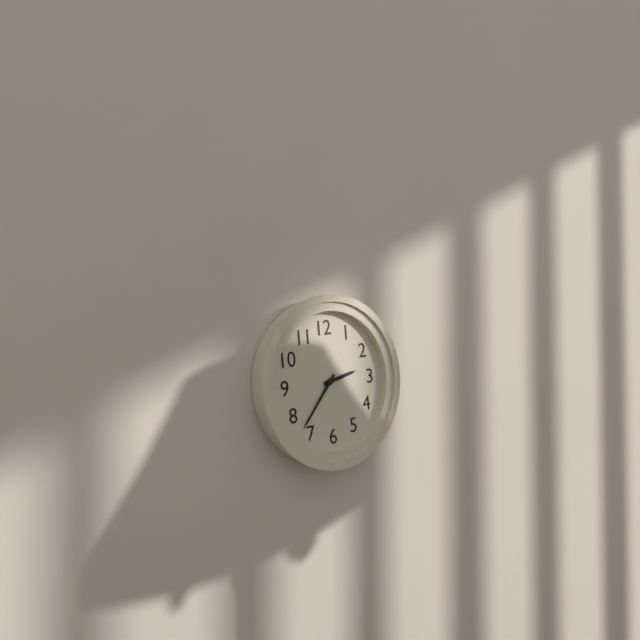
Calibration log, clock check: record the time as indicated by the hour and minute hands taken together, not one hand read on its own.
2:37
